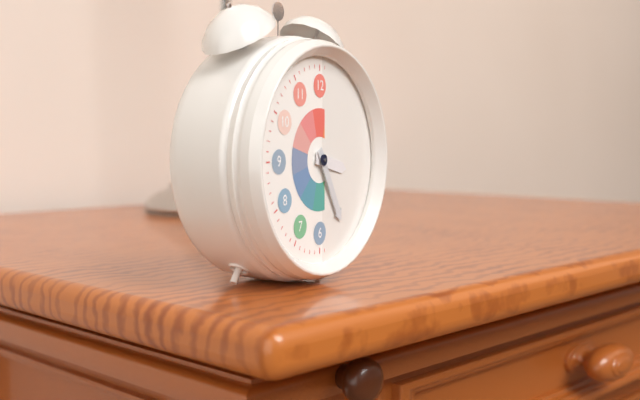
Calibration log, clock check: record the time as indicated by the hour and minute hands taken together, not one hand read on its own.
3:25
